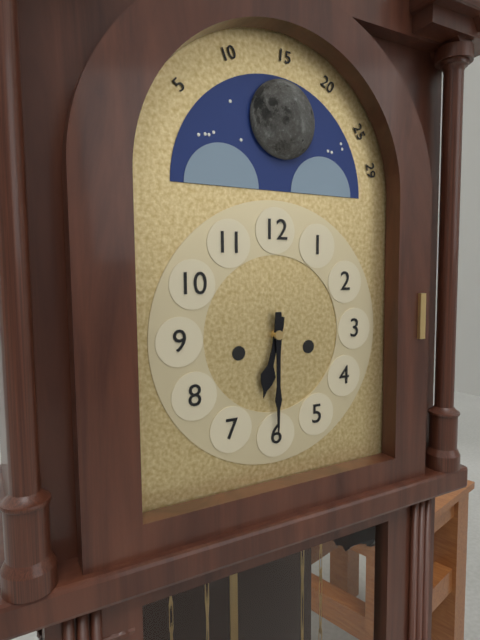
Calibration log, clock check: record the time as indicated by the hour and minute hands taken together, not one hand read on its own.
6:30
